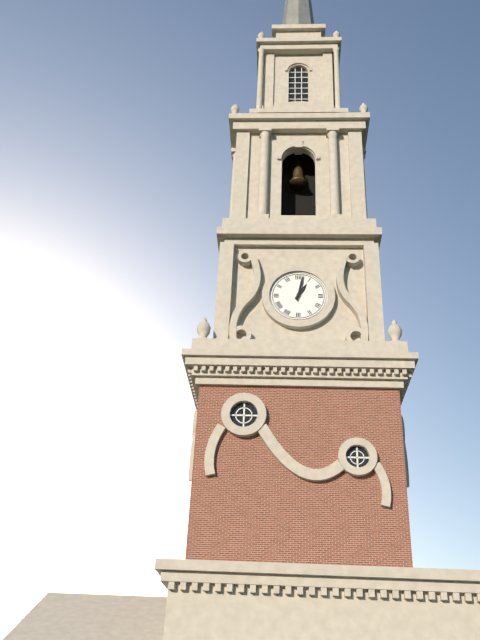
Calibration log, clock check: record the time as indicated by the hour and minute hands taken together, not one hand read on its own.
1:02
